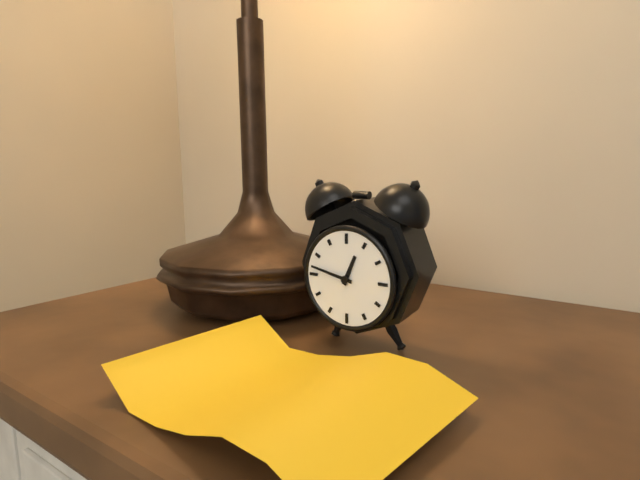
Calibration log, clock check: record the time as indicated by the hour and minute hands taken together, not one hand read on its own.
12:47
